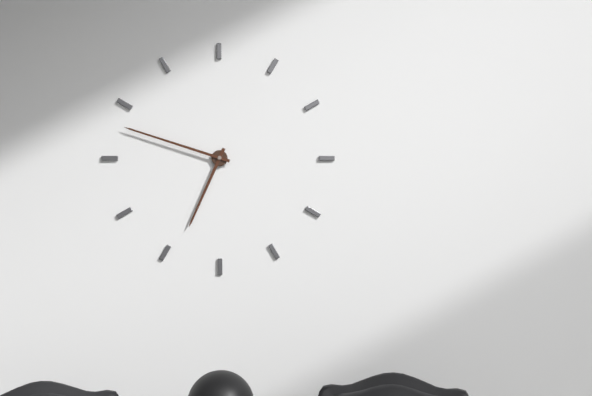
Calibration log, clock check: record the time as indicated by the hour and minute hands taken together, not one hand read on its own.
6:48
